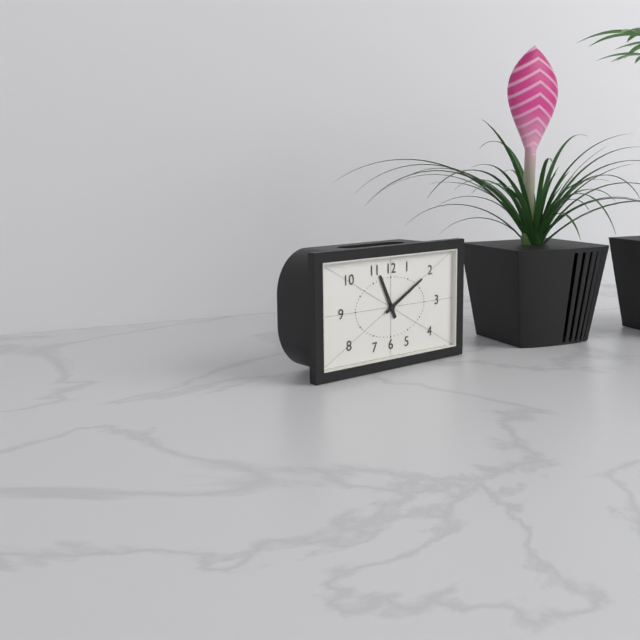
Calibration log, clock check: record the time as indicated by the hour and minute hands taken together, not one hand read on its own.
11:10
